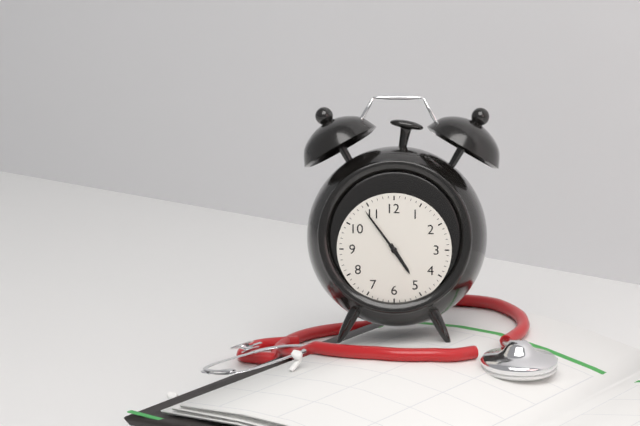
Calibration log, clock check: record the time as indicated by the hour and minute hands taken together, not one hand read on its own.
4:54
